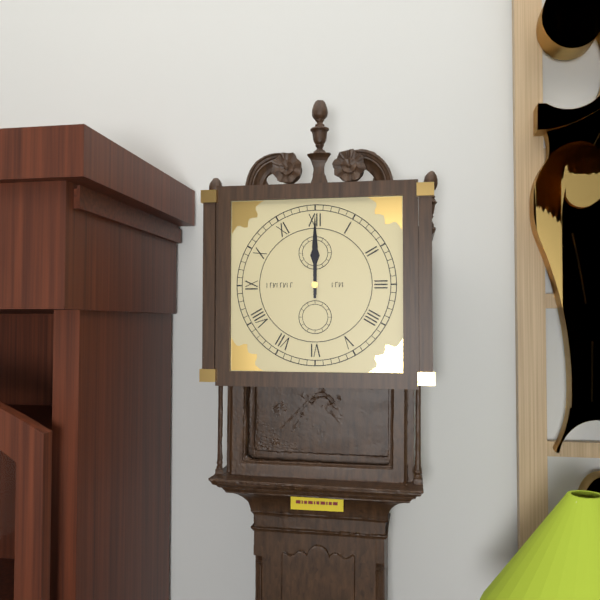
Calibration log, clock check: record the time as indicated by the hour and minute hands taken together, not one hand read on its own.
12:00
